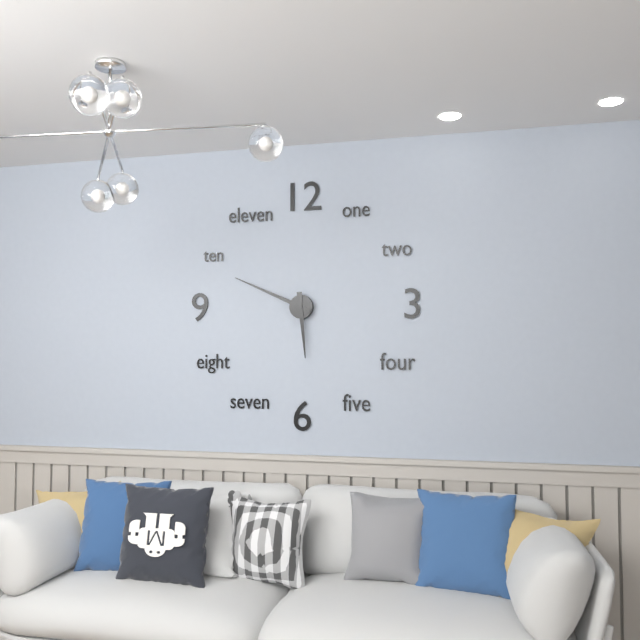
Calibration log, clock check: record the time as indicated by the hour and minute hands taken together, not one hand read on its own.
5:49
